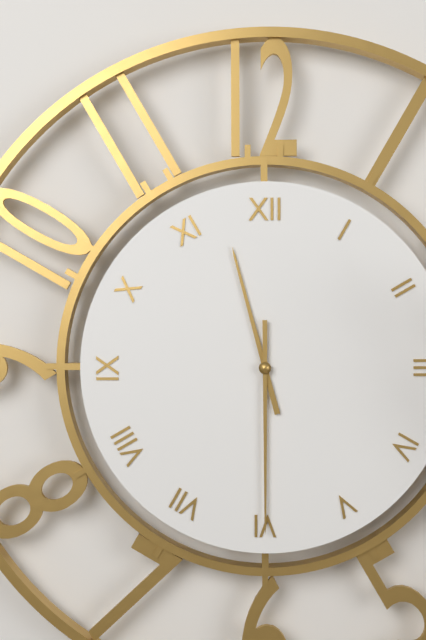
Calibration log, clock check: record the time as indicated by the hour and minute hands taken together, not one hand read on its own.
11:30
